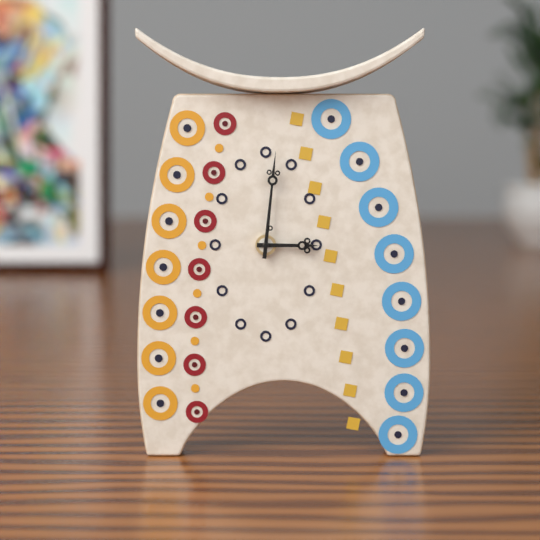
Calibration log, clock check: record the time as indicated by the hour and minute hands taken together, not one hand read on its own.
3:01
